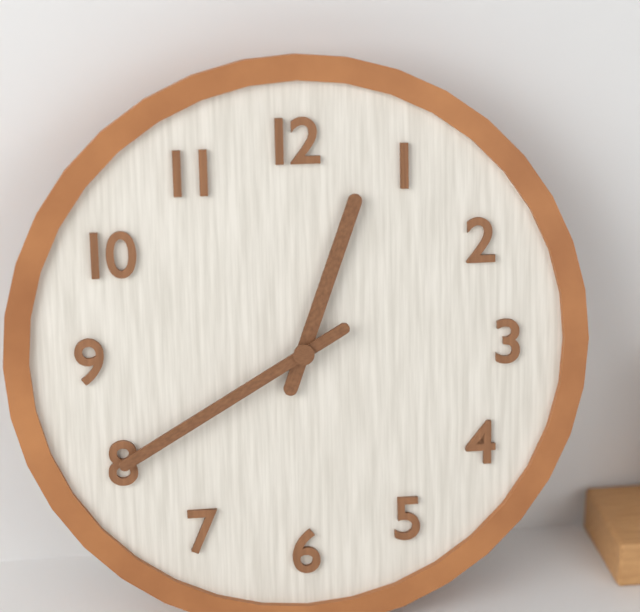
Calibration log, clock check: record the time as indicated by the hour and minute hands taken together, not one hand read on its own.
12:40
